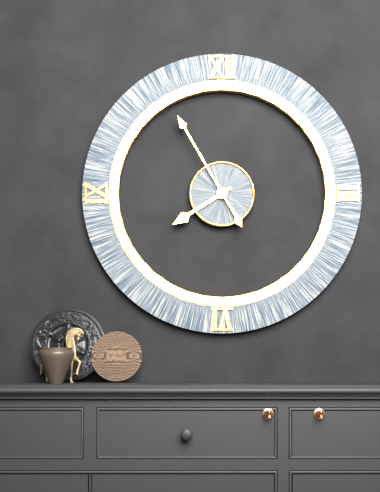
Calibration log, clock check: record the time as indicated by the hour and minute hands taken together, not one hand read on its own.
7:55
